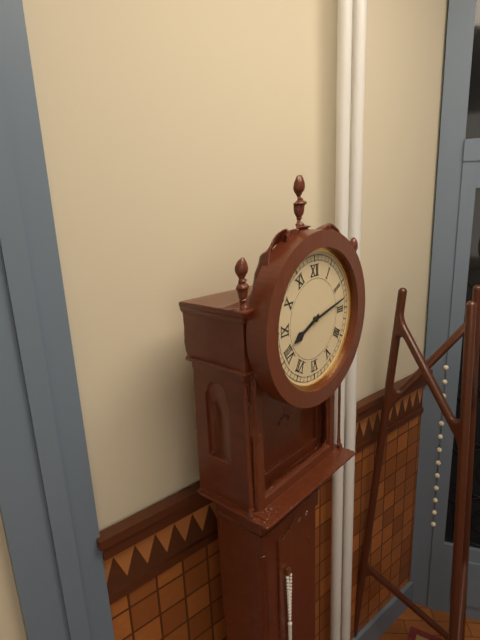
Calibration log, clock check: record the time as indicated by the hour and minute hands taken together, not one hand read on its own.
8:13
